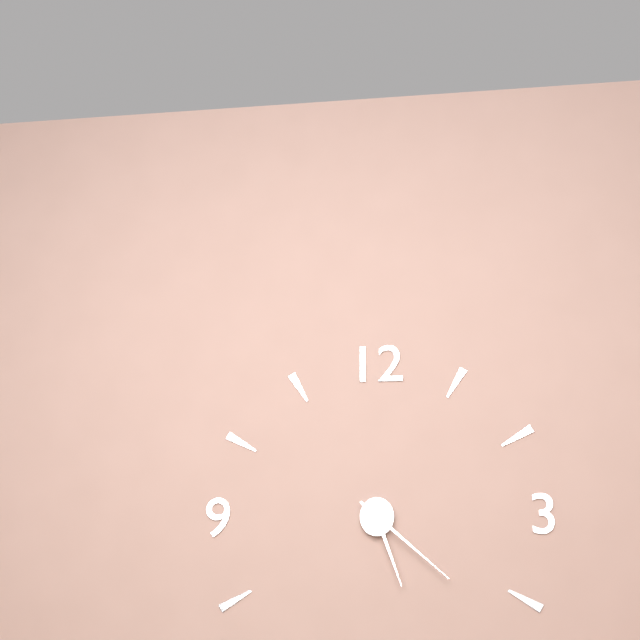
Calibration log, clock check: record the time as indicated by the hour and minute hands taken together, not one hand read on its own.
5:22
